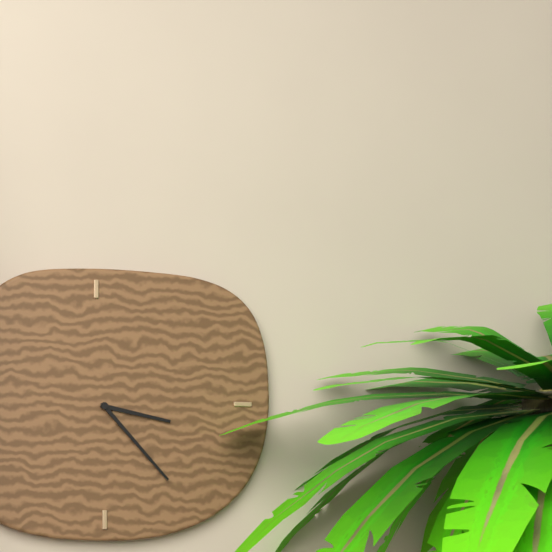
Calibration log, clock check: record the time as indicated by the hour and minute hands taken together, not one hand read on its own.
3:23
